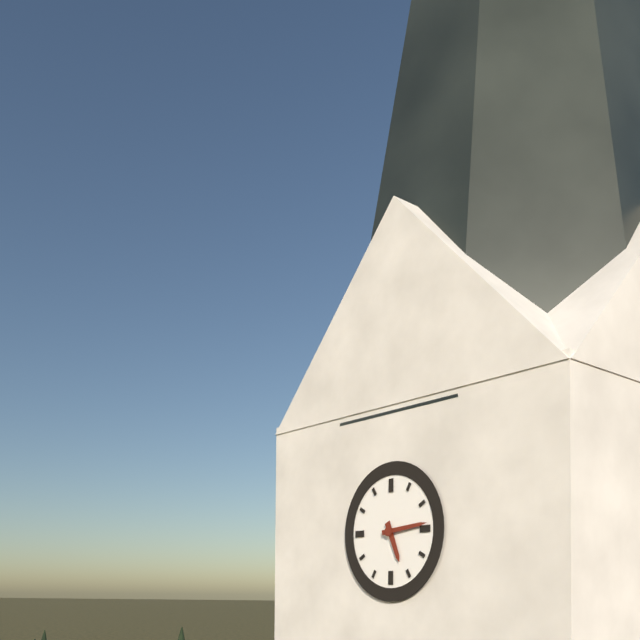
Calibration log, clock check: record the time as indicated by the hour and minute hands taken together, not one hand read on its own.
5:14
